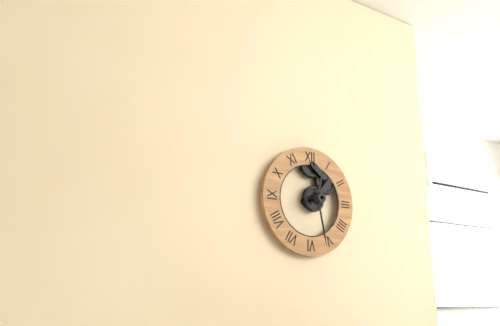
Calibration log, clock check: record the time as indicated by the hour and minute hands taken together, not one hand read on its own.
12:28
